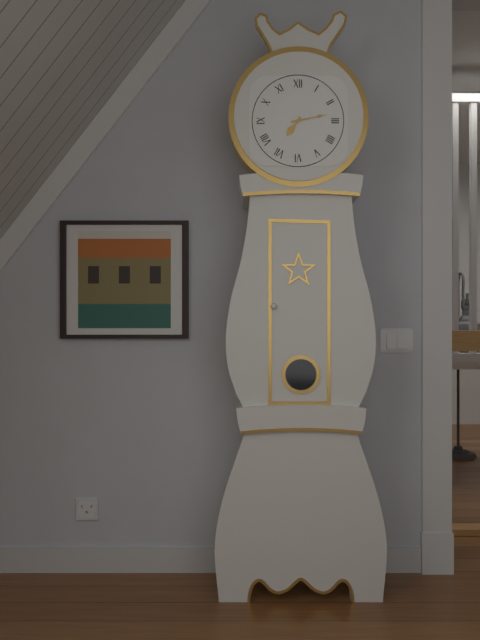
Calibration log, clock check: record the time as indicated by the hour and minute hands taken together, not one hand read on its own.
7:13
